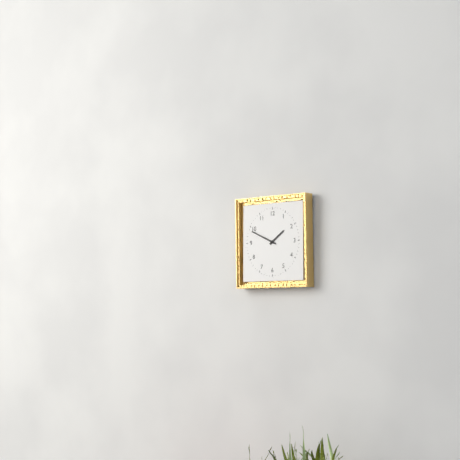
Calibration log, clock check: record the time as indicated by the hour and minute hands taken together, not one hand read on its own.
1:49
